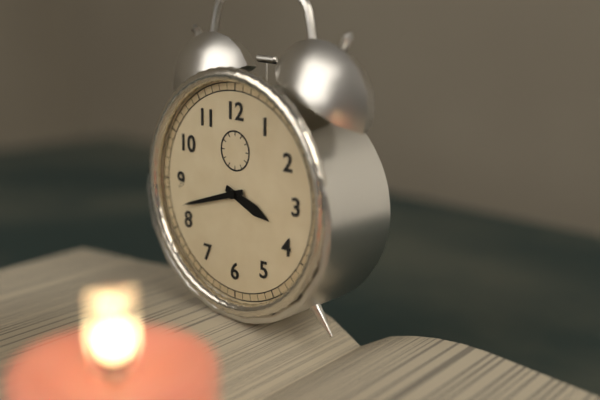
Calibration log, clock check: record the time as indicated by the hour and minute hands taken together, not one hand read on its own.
3:42
